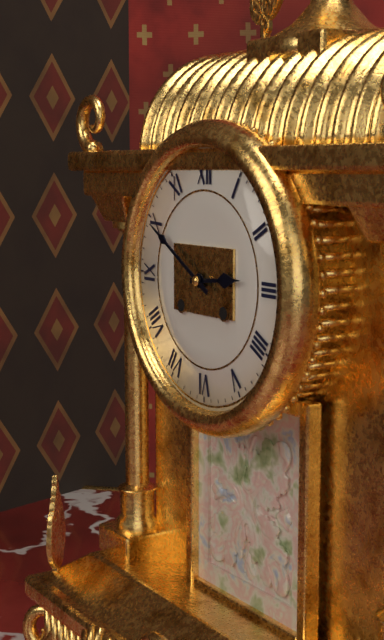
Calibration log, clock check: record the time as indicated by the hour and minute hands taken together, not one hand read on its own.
2:50
